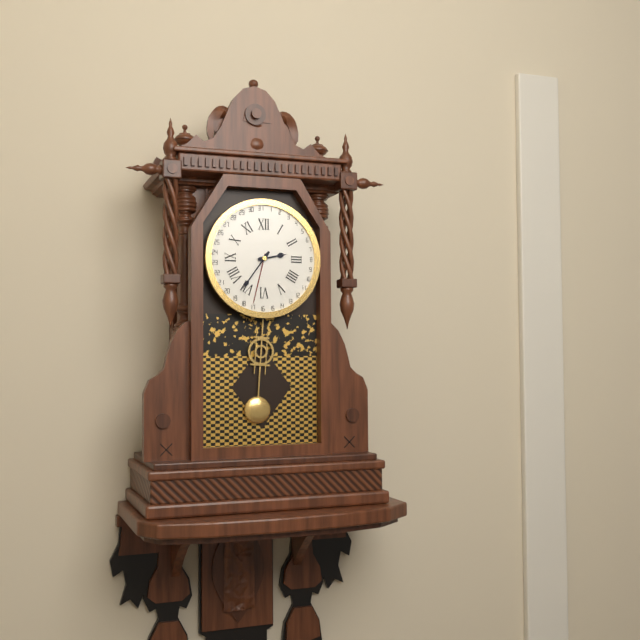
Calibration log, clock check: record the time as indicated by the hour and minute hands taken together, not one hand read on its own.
2:36
